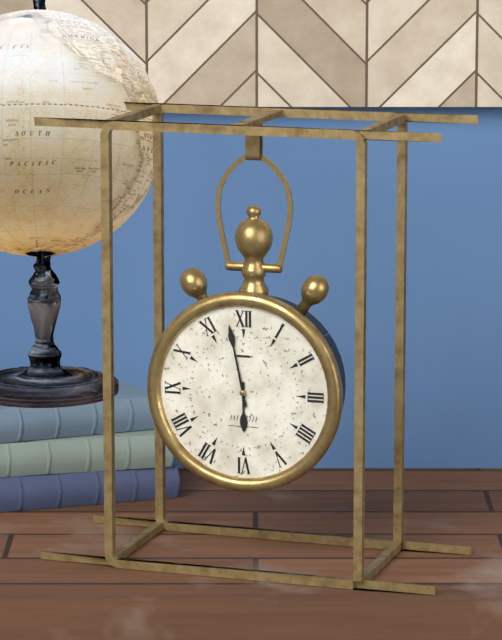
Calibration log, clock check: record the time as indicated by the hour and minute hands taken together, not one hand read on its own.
5:58
